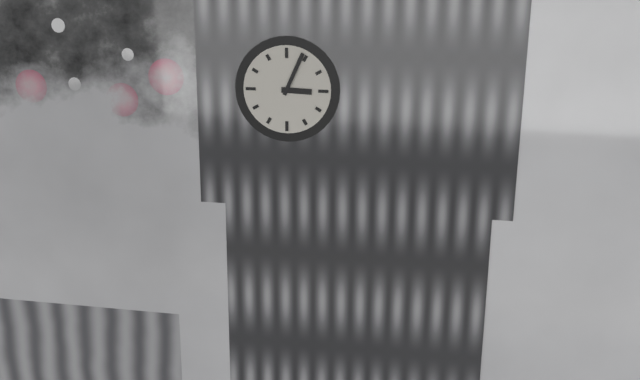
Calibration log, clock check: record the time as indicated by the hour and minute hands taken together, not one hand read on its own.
3:04
